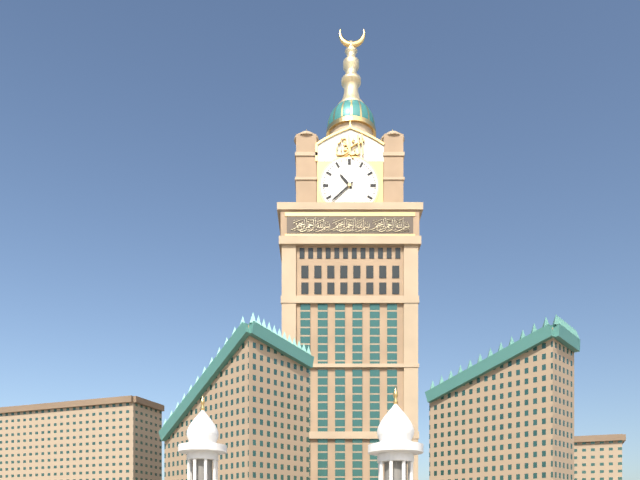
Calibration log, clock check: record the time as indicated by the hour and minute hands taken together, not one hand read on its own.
10:38
